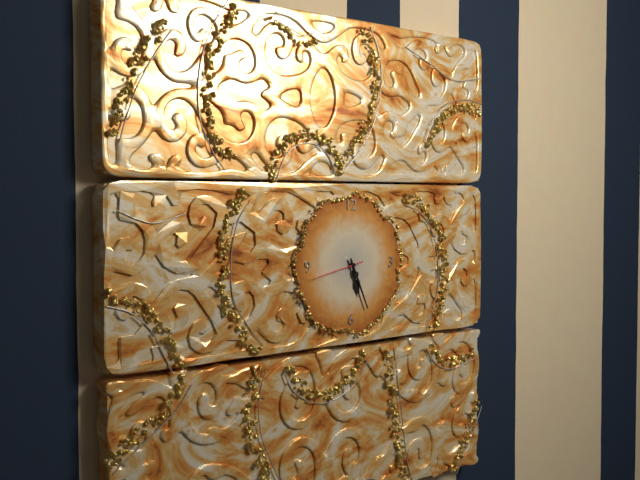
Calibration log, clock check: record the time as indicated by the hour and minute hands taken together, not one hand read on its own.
5:26
